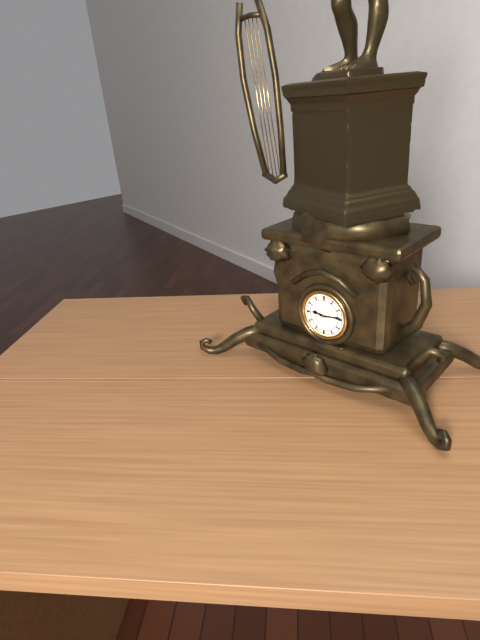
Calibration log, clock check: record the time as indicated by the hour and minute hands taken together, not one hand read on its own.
9:14
